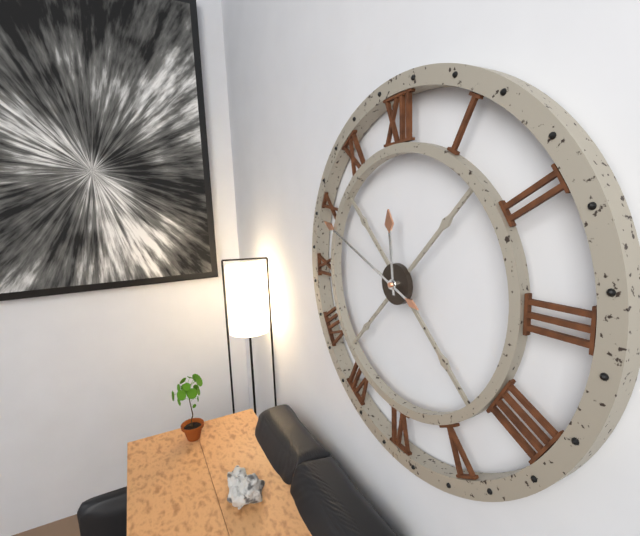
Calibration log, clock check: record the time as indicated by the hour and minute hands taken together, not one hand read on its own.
11:49
